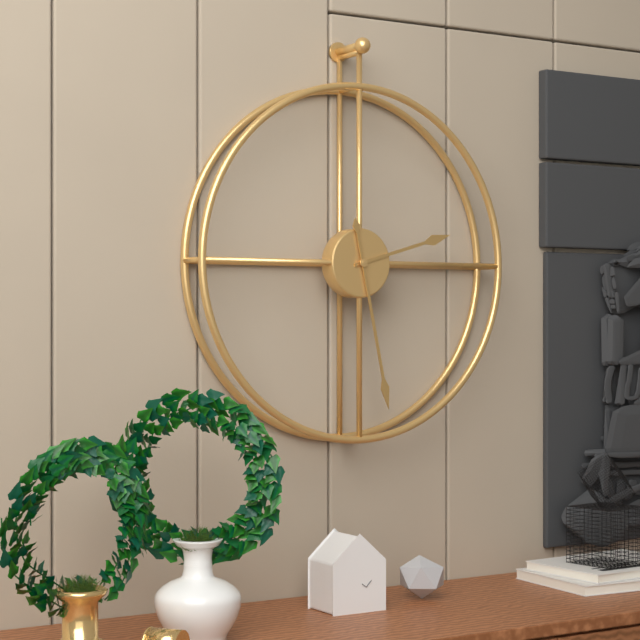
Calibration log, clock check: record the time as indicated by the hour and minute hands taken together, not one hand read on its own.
2:28
